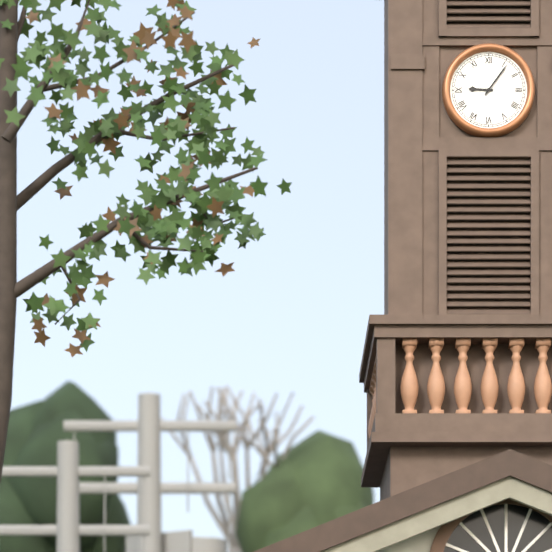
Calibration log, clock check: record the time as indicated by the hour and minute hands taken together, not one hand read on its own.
9:06
